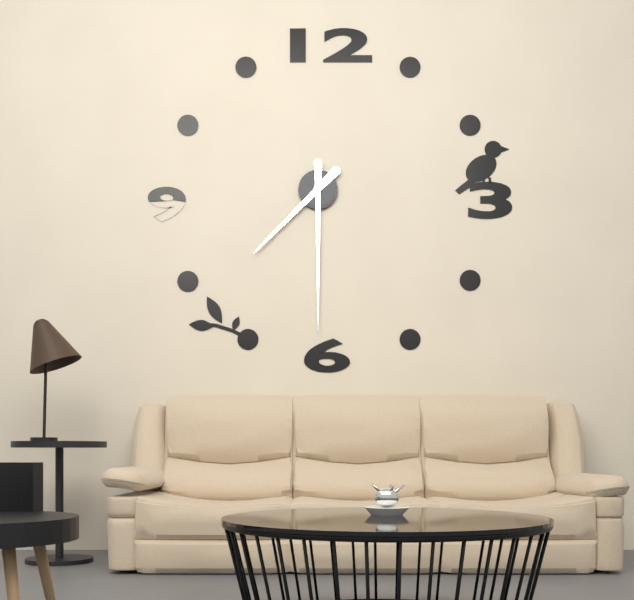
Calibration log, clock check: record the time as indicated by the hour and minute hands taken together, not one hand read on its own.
7:30
